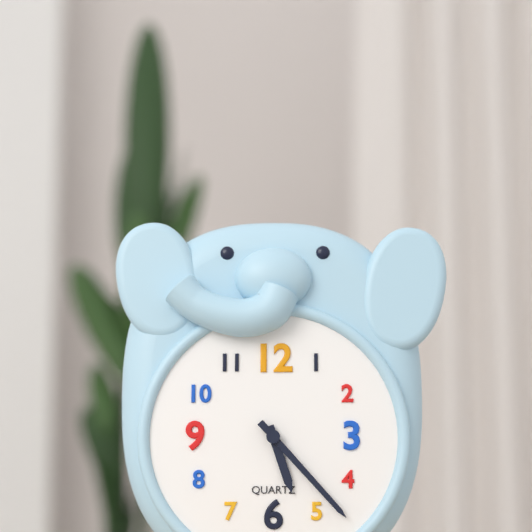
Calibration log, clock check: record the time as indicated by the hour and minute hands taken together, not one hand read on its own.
5:23
